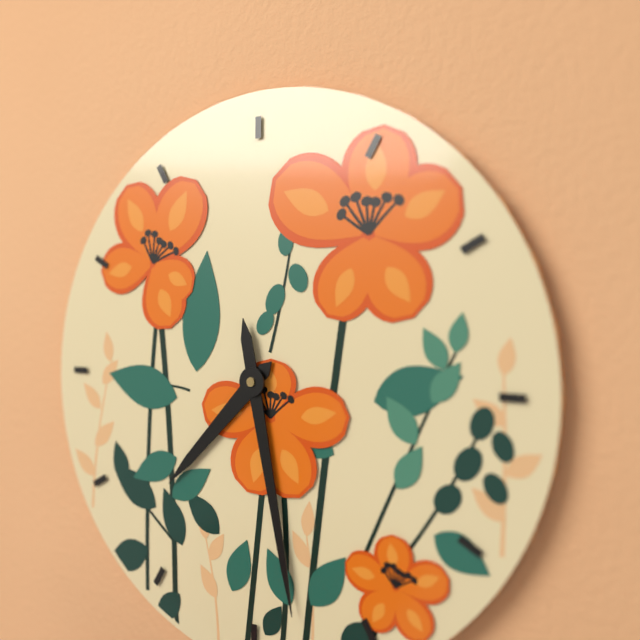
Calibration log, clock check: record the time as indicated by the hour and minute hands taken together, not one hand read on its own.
7:28
